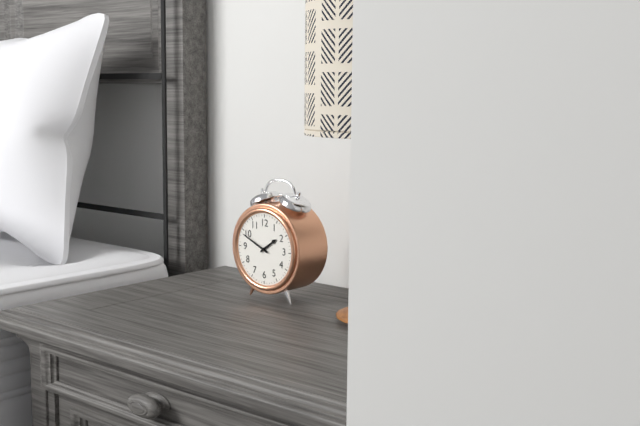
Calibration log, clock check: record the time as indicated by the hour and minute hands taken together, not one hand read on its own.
1:49
